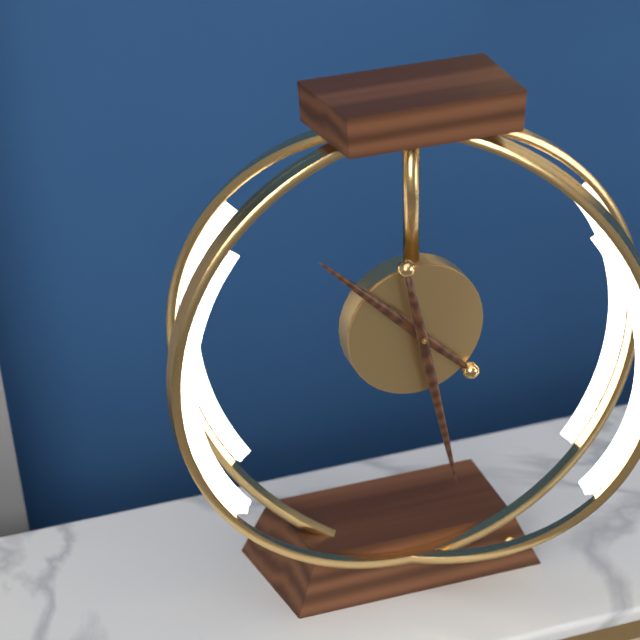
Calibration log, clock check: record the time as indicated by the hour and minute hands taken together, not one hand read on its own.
10:28
